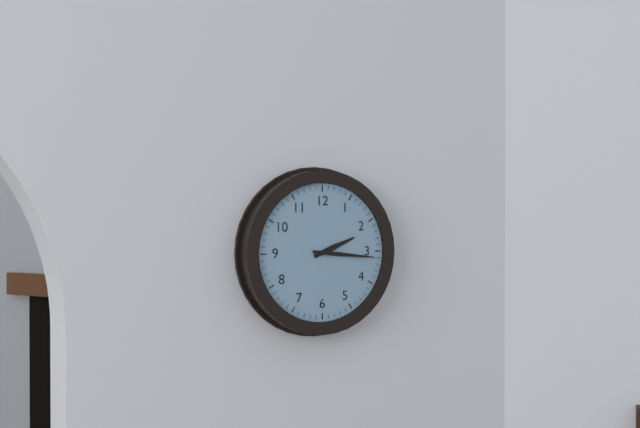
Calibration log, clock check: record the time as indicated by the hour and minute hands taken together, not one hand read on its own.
2:16
